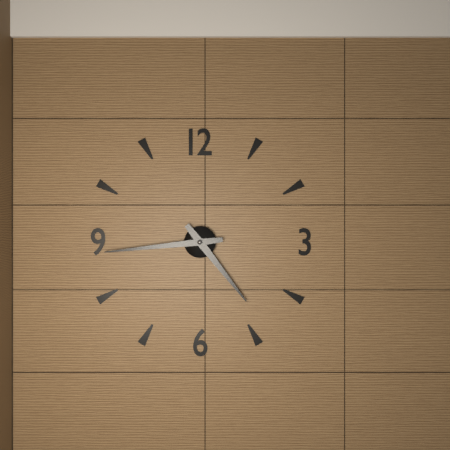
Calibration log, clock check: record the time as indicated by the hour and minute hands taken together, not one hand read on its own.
4:44
